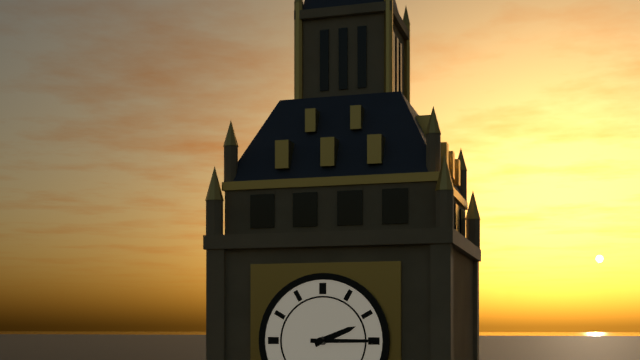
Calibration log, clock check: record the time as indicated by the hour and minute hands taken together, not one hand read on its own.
2:15
